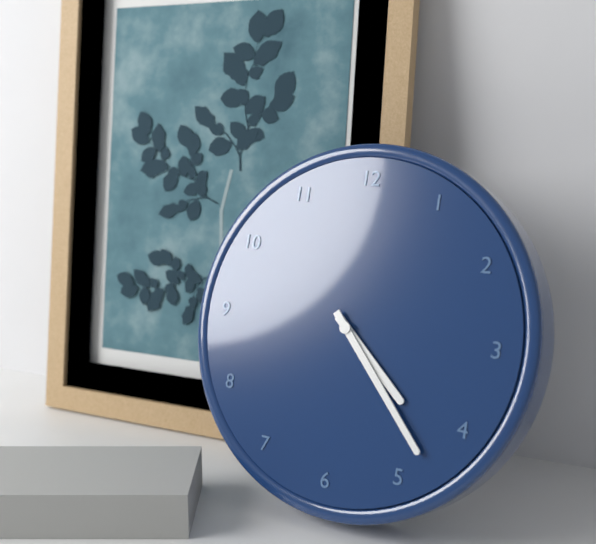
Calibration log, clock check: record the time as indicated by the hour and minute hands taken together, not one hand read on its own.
4:23
